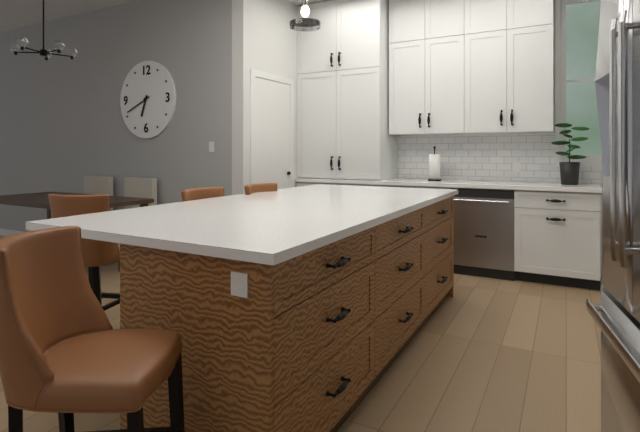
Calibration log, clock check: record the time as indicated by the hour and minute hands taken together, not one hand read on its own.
6:41
